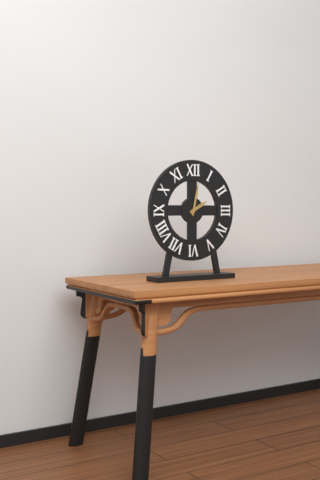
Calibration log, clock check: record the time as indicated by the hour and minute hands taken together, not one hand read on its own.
2:02
